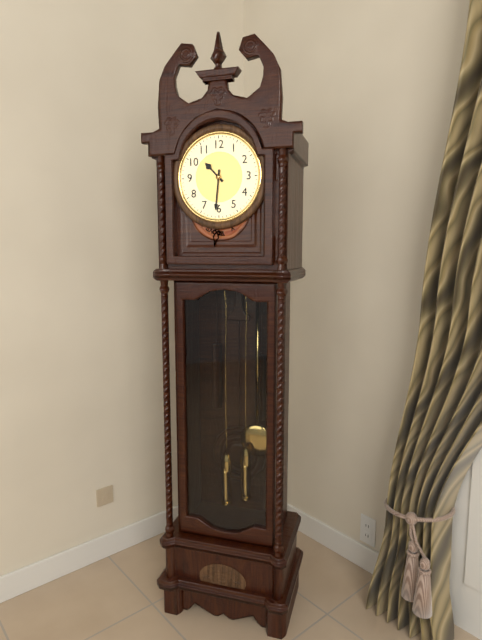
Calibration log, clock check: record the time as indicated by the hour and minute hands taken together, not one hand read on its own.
10:31
